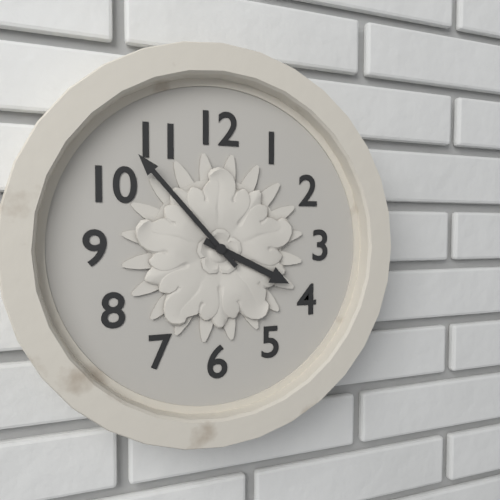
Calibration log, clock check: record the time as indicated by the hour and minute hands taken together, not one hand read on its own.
3:53
